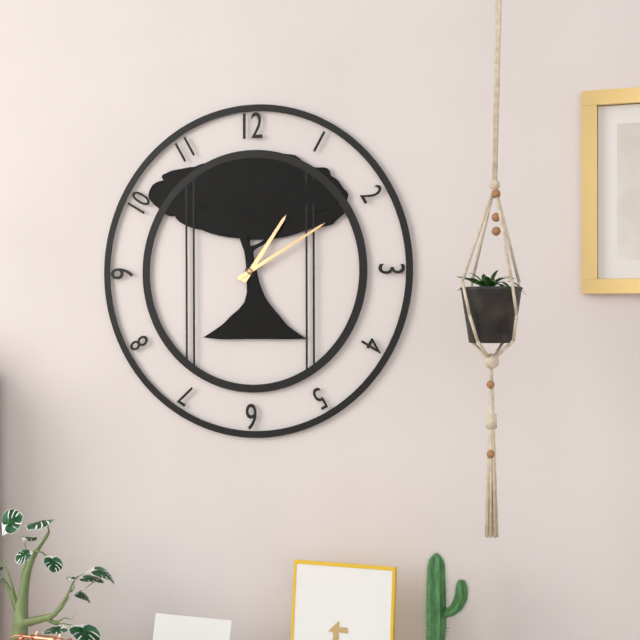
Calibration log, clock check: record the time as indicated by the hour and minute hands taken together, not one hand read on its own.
1:10
